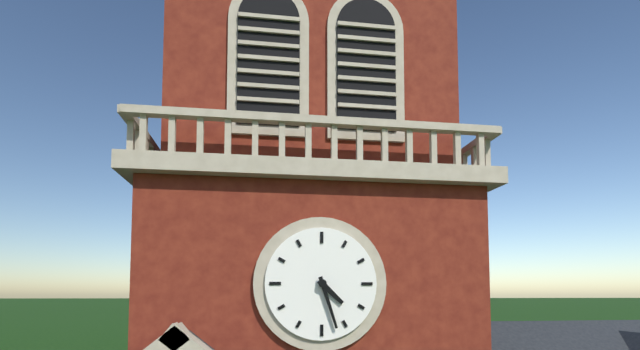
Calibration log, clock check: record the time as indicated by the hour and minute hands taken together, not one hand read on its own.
4:27
